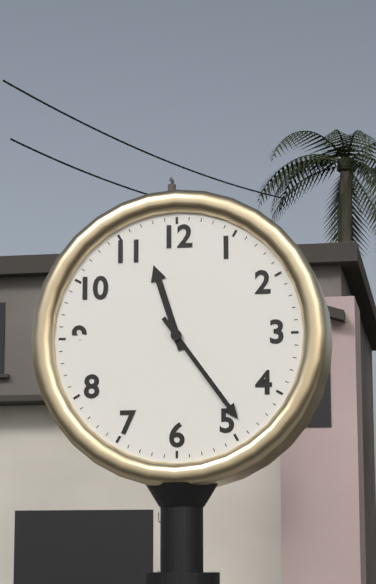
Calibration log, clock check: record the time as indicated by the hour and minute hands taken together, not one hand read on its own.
11:24
